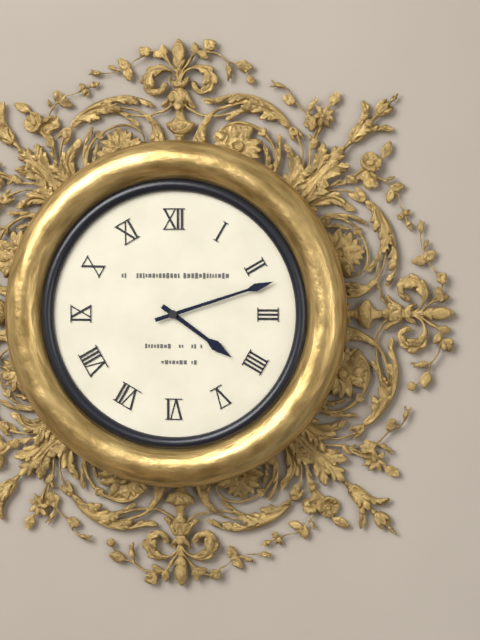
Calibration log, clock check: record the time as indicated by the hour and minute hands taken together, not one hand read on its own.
4:12
